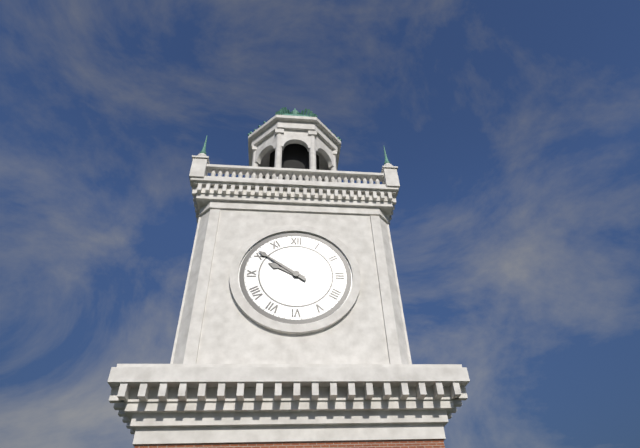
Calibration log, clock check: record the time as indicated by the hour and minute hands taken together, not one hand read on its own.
9:51
